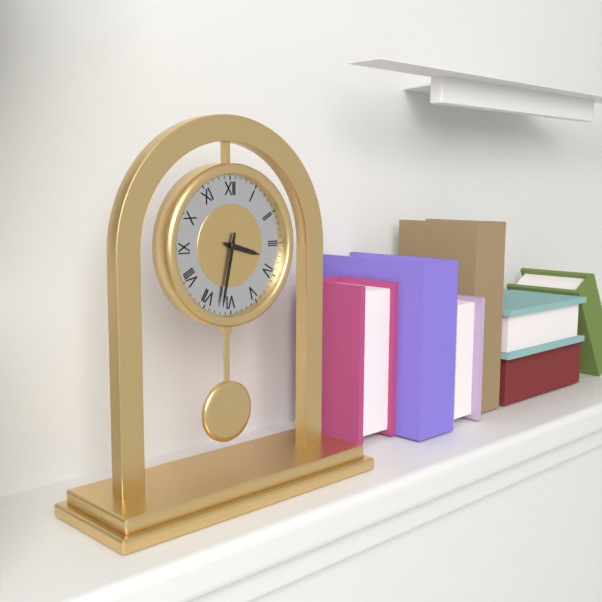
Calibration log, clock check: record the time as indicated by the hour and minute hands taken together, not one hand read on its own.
3:32
